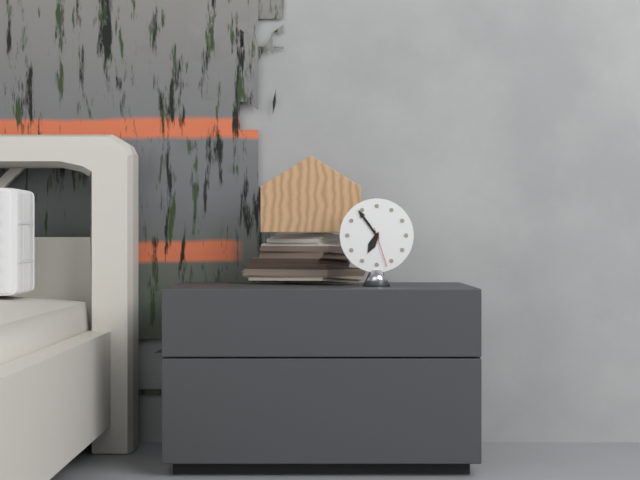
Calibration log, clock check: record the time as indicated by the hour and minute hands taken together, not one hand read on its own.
6:54
